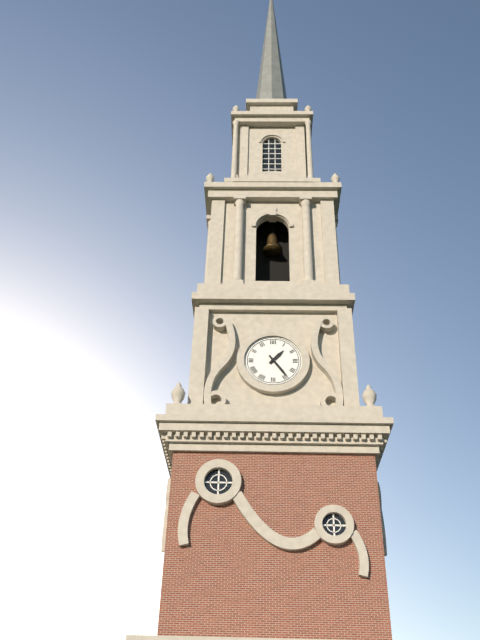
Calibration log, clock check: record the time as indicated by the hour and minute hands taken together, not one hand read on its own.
1:24
